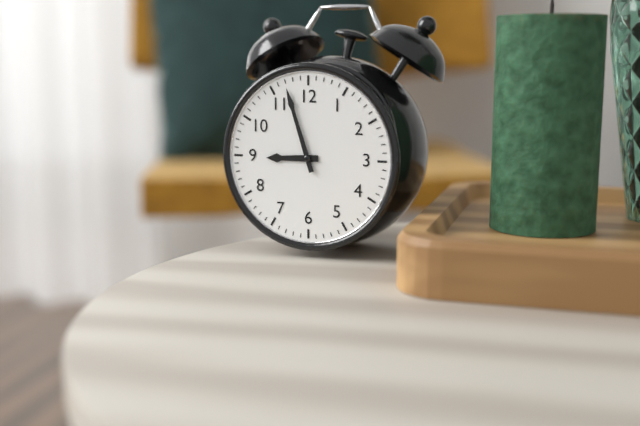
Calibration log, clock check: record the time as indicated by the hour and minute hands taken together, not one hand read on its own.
8:57
